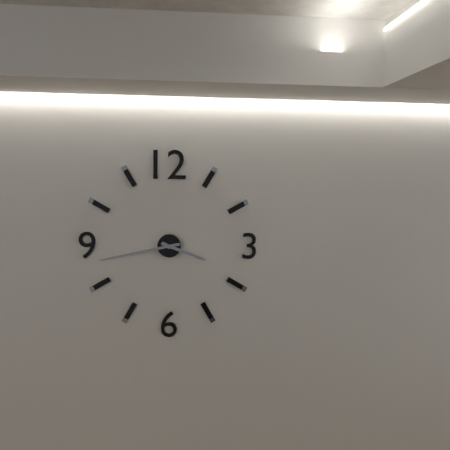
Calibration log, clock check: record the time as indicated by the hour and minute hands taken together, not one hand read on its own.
3:43
